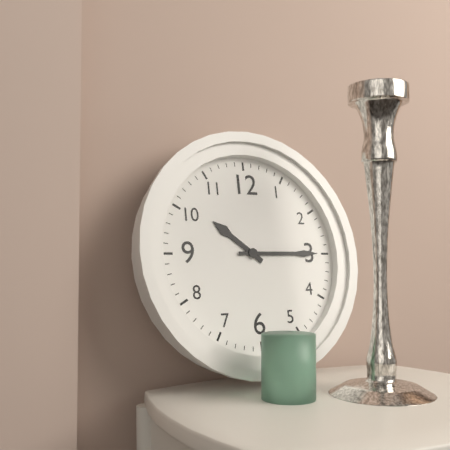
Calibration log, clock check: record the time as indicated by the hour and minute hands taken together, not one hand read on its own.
10:15
